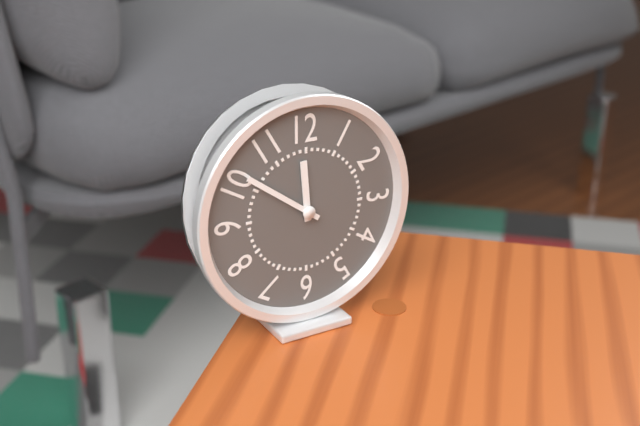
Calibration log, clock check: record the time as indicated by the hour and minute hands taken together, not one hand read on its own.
11:51
